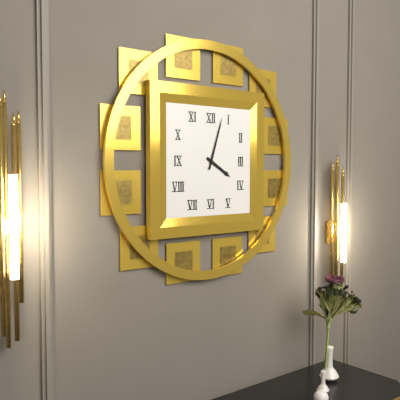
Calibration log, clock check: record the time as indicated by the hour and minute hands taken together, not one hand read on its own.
4:03
